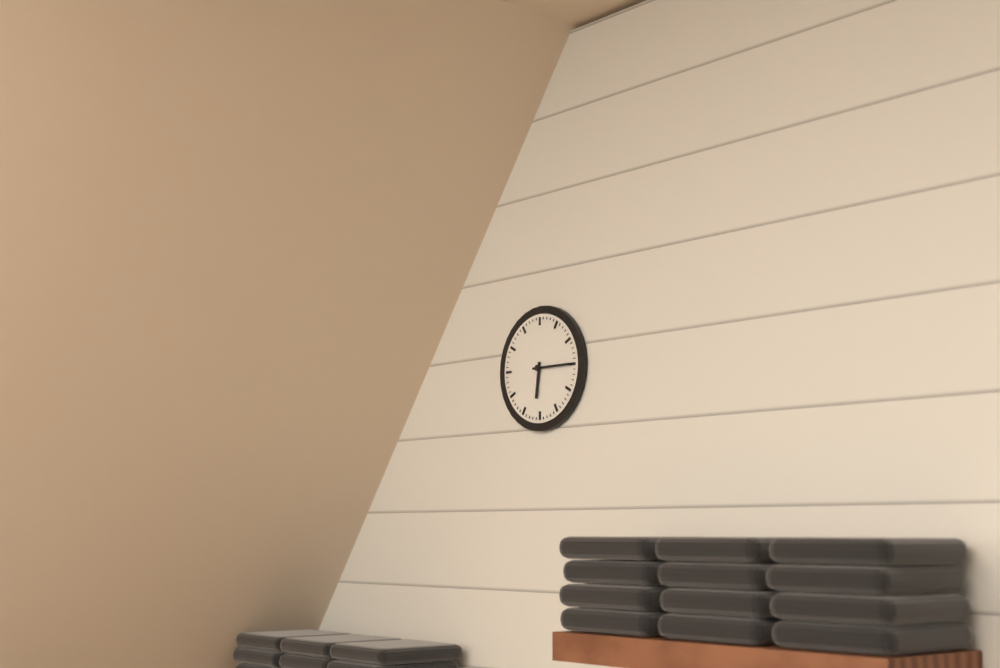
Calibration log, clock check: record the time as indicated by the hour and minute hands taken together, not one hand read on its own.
6:15
